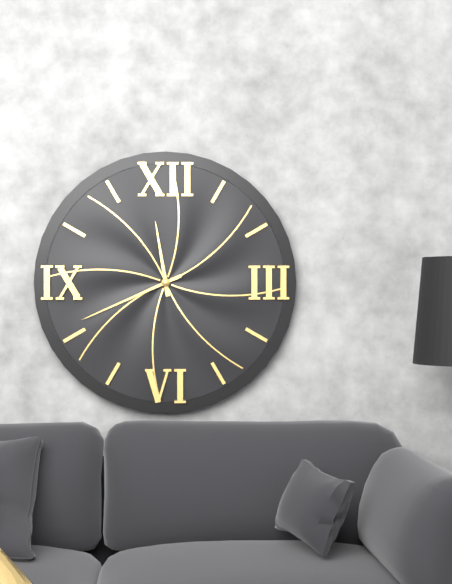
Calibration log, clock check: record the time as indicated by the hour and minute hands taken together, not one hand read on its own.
11:41
